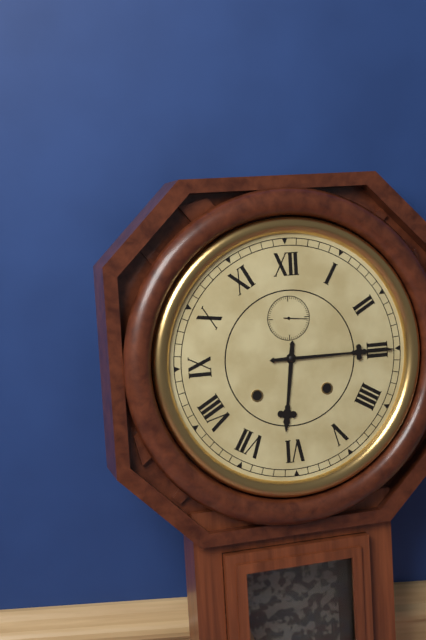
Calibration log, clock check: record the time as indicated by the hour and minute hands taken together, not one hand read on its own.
6:15
